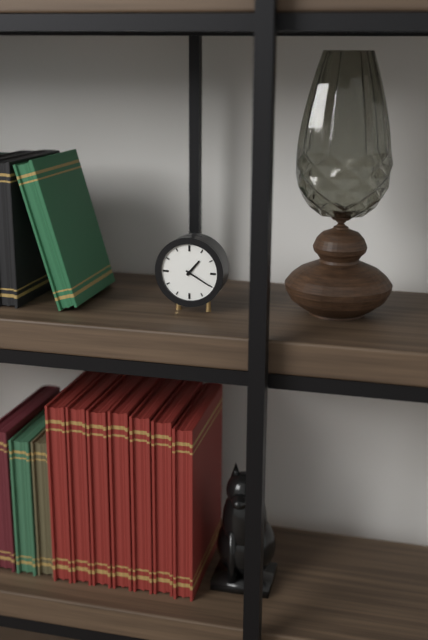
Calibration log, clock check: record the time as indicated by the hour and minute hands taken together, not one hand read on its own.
1:20
